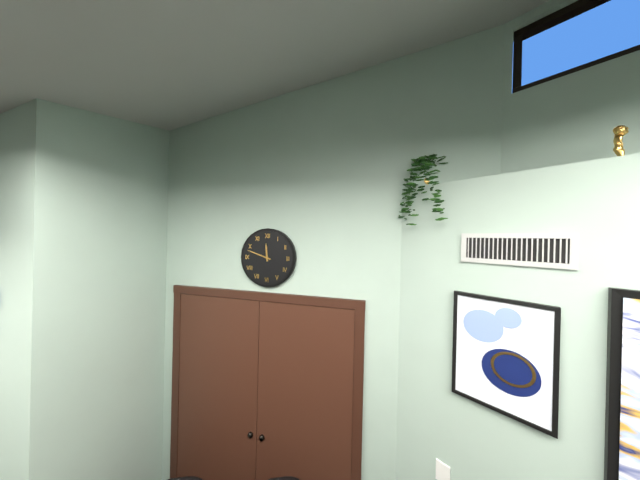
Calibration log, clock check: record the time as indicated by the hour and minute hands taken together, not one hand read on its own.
11:48
